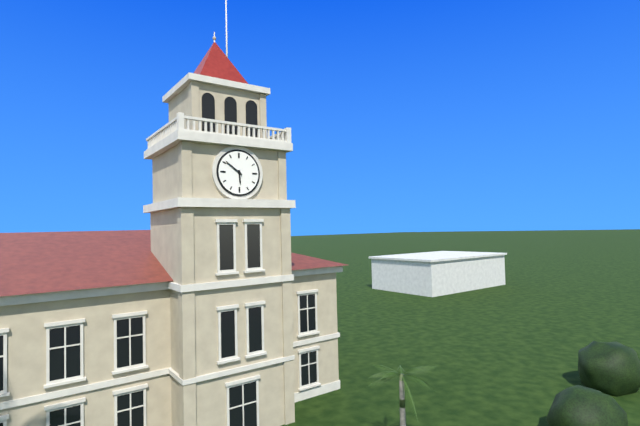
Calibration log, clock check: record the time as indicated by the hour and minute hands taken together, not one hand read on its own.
5:51
